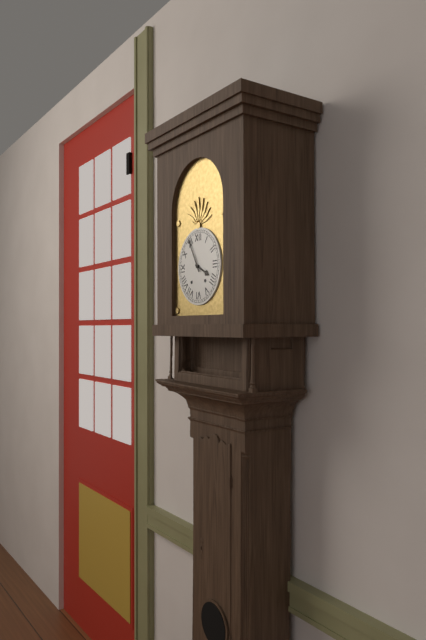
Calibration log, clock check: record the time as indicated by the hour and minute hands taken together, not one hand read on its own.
3:55
